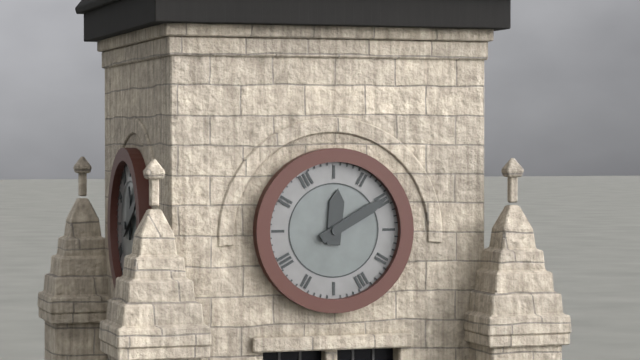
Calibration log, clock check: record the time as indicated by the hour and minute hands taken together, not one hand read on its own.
12:10
